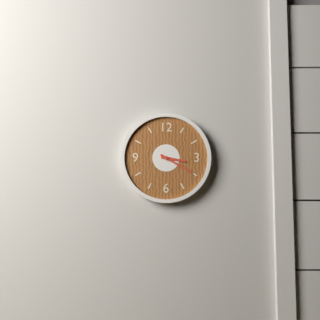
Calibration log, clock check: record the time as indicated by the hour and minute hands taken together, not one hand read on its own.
3:20
